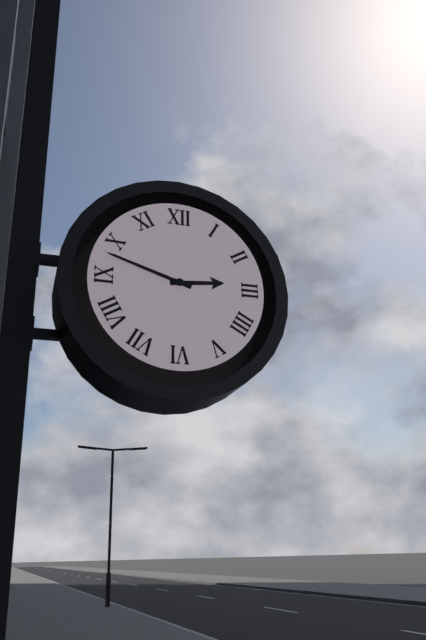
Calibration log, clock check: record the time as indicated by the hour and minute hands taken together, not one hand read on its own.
2:48
